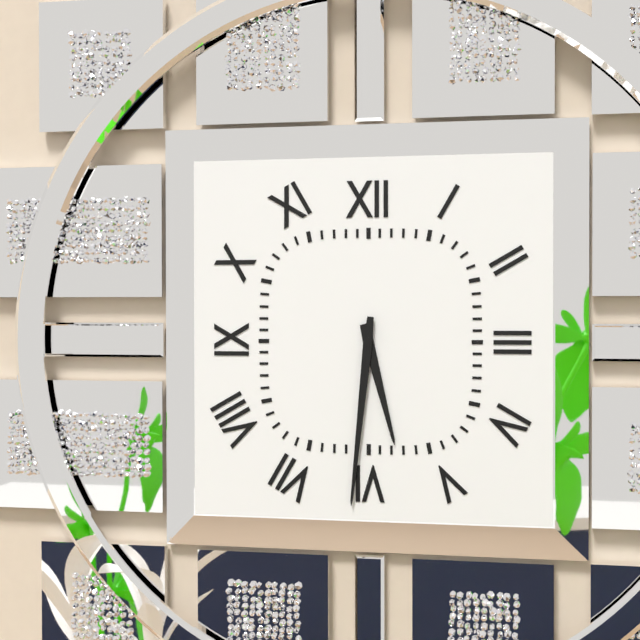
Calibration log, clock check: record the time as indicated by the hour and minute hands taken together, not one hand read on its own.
5:31
